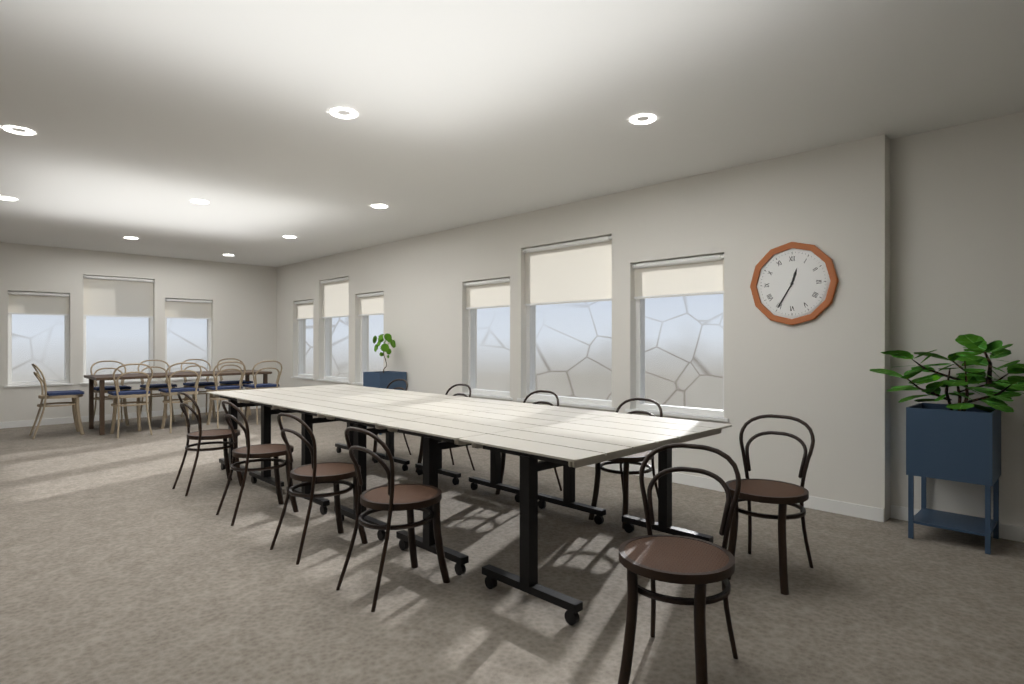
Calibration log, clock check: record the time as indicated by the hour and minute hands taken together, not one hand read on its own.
12:35
